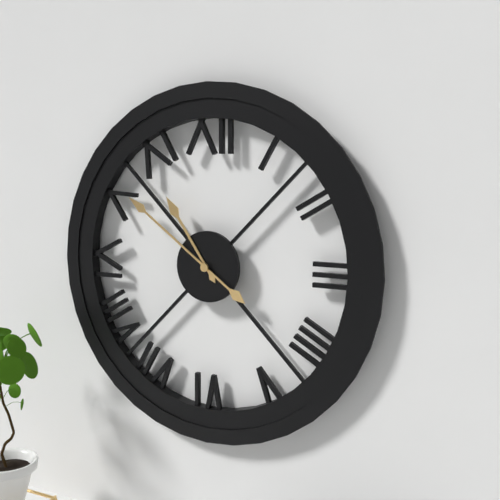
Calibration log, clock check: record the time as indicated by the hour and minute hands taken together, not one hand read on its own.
10:51
